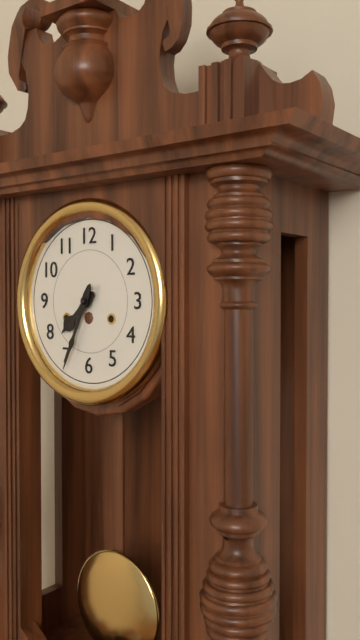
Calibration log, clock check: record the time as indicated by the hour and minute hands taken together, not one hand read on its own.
7:34
